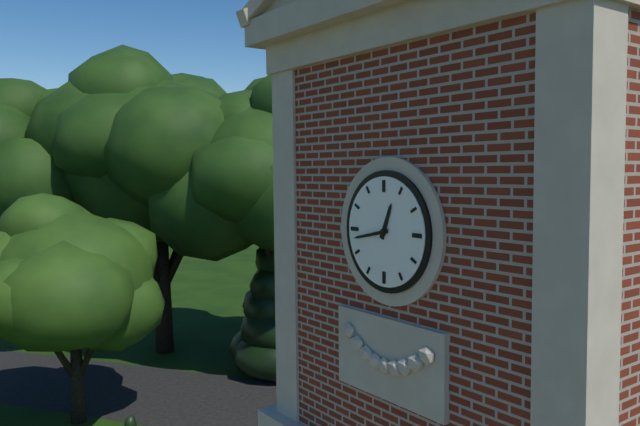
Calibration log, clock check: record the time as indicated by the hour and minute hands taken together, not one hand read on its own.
12:43
